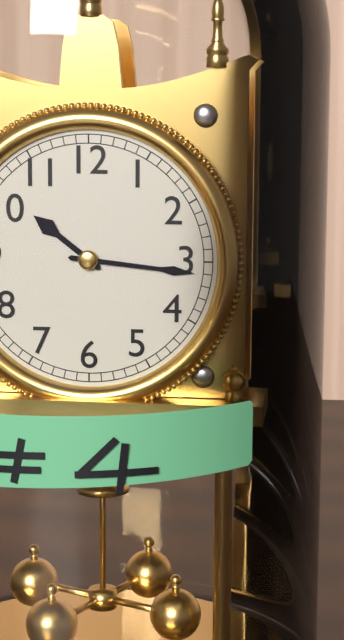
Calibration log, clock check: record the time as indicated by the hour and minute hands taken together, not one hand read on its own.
10:16
